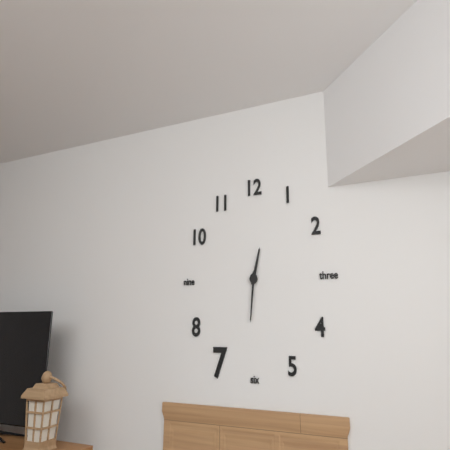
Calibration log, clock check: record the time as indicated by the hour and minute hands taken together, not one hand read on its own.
12:31
